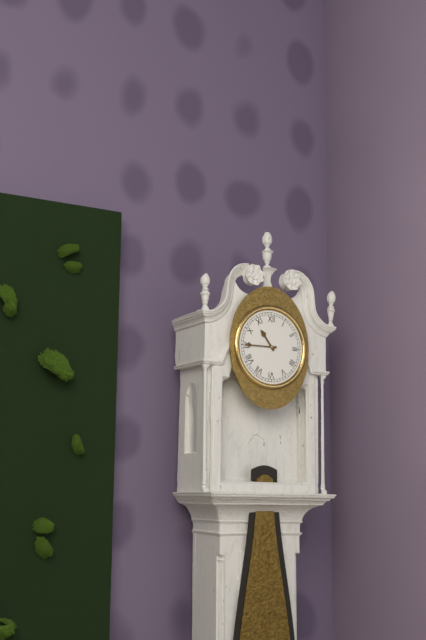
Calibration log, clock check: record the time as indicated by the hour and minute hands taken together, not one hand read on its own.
10:45
